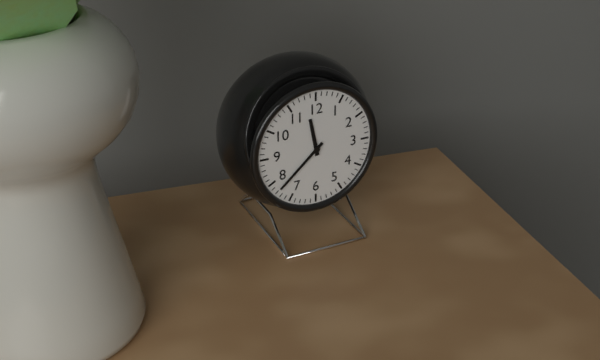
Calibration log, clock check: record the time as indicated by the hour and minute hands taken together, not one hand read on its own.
11:38
